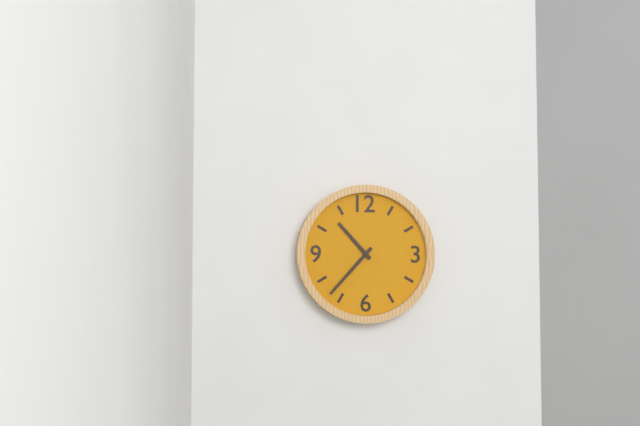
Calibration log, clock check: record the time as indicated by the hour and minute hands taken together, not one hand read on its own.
10:37
